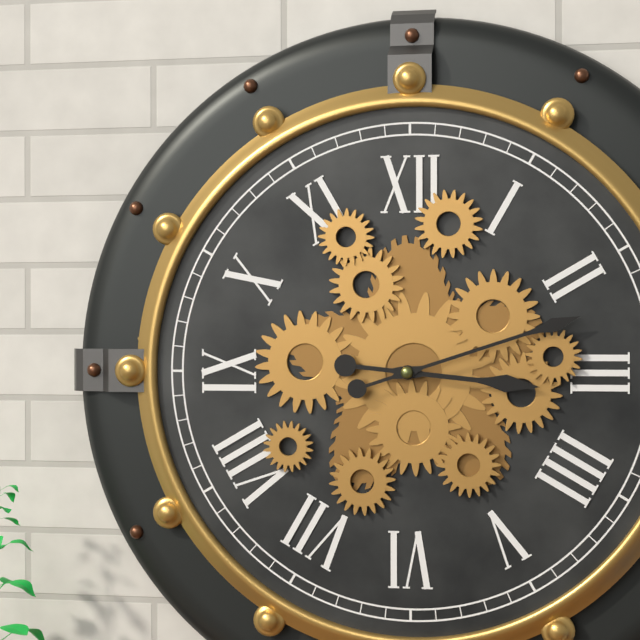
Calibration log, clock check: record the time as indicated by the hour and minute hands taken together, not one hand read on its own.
3:12
